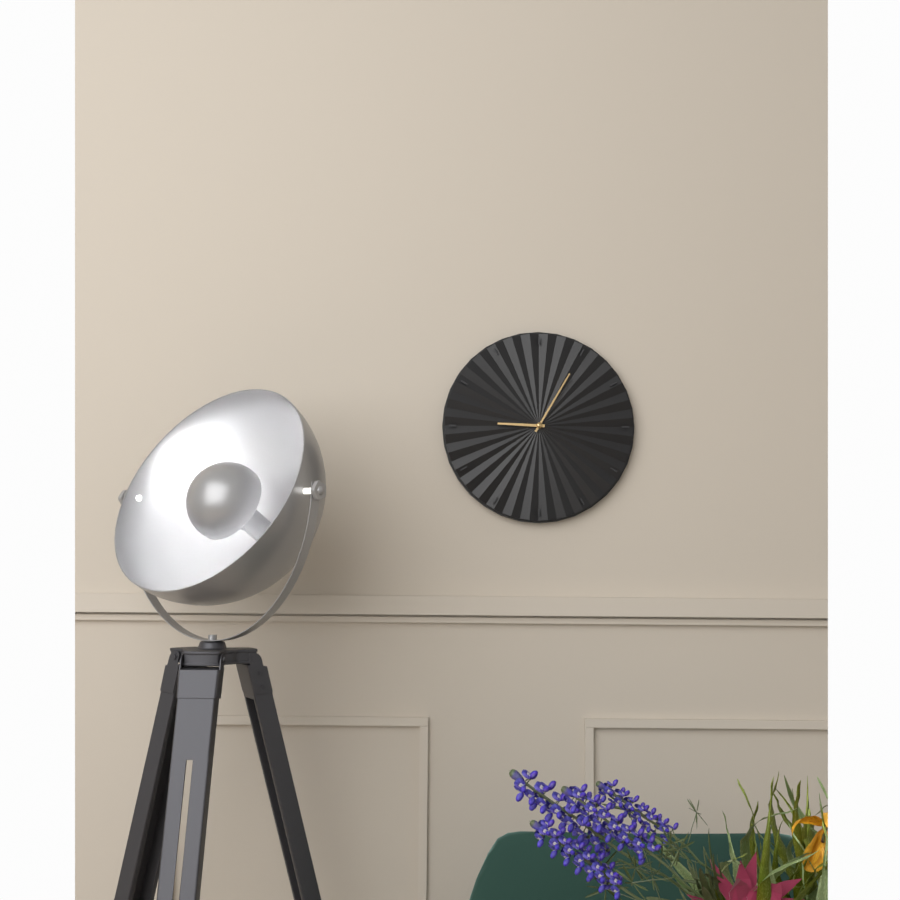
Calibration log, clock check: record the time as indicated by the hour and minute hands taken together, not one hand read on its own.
9:05
